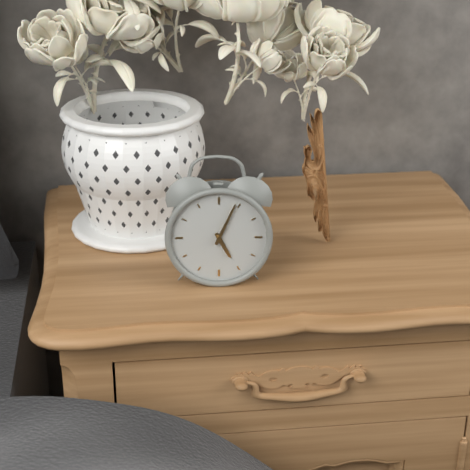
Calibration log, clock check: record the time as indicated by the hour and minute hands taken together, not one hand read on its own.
5:04
